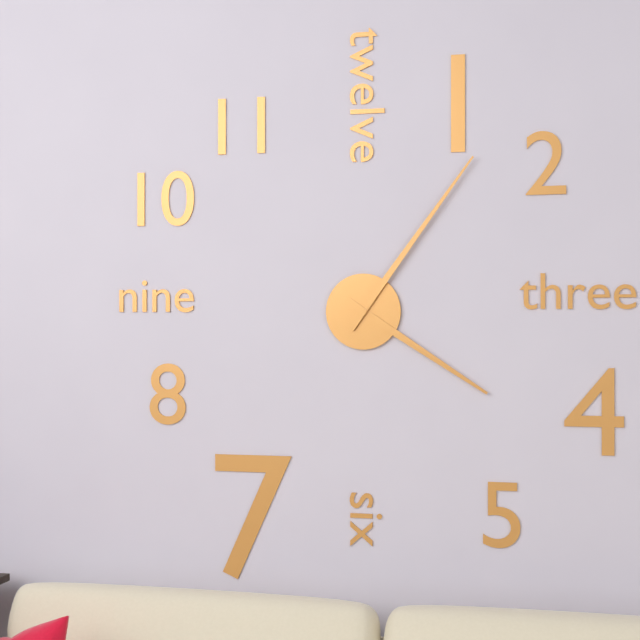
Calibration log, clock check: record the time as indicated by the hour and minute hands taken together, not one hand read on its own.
4:06
